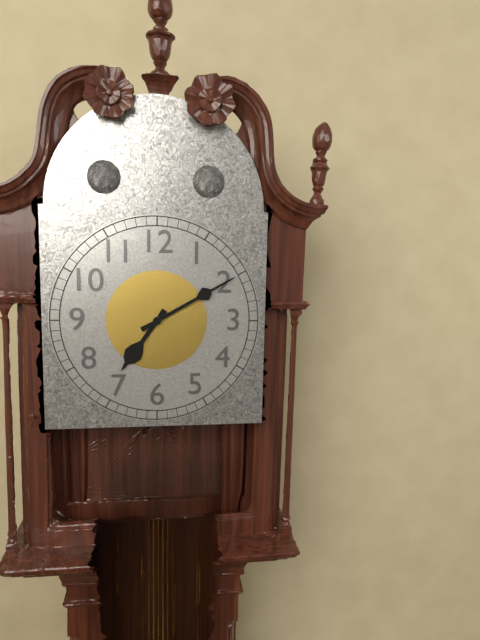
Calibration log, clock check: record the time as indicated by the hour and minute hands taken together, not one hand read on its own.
7:10
